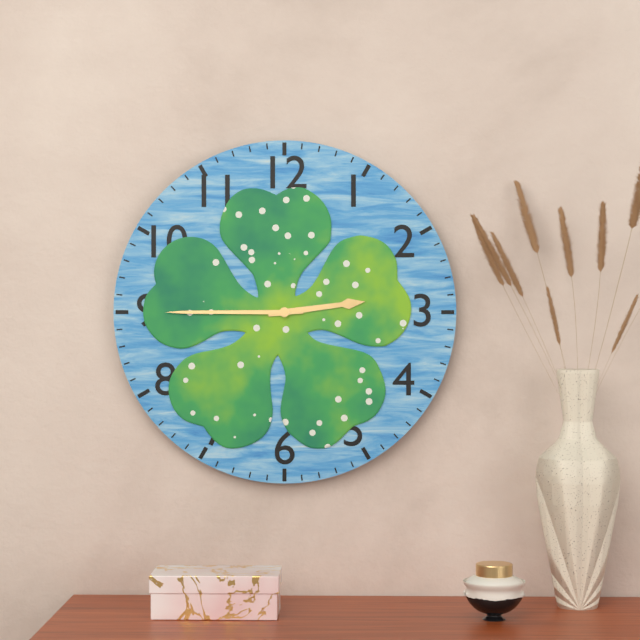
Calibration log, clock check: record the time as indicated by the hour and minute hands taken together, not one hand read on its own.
2:45
